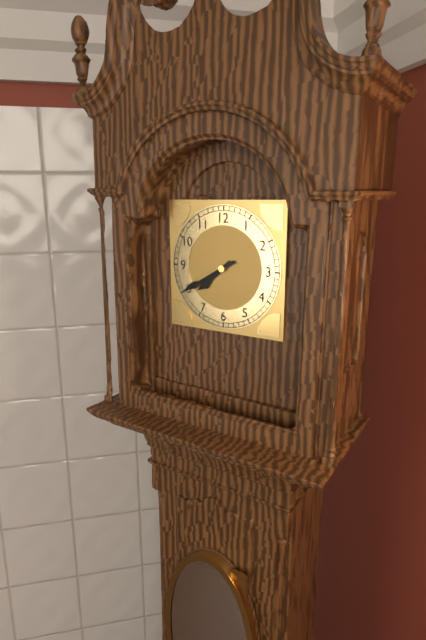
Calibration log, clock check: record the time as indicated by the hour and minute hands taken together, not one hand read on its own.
7:40
